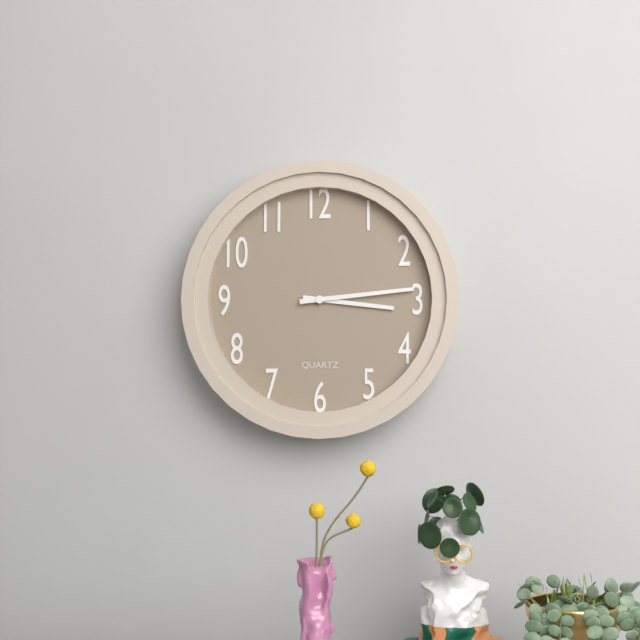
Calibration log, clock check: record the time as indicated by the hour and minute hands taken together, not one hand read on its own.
3:14
